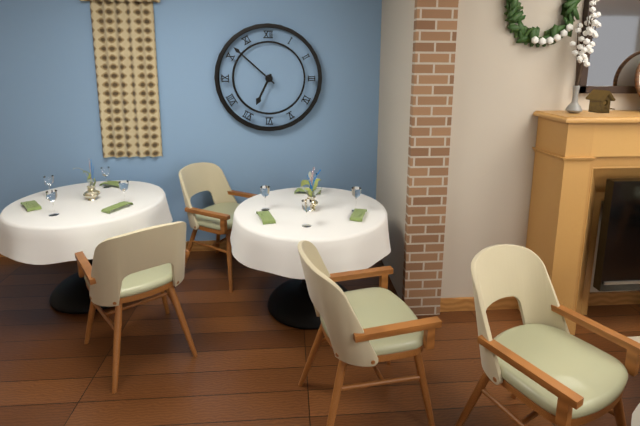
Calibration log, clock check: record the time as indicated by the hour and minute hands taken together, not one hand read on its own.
6:52
